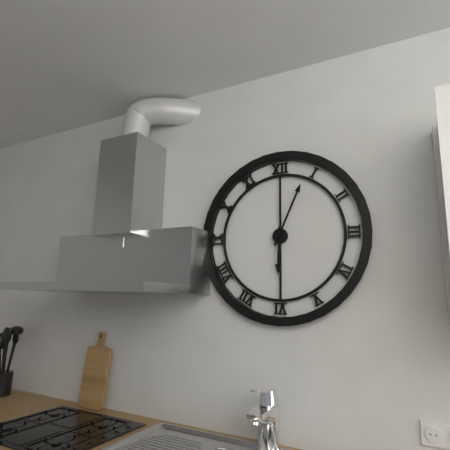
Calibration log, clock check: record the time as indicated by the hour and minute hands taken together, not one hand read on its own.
6:04
